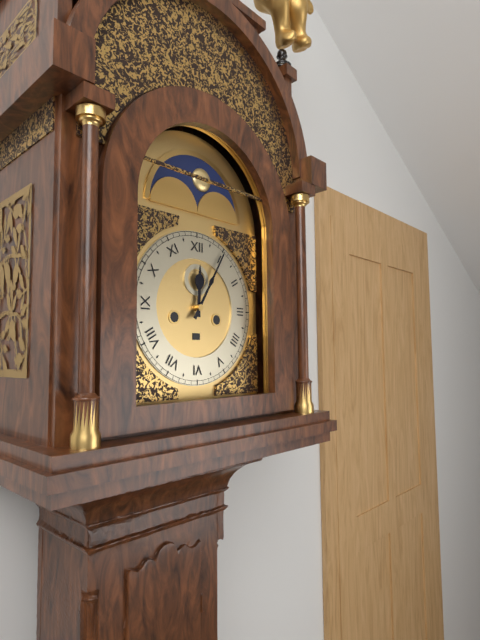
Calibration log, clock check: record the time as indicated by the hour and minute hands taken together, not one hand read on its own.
12:05
